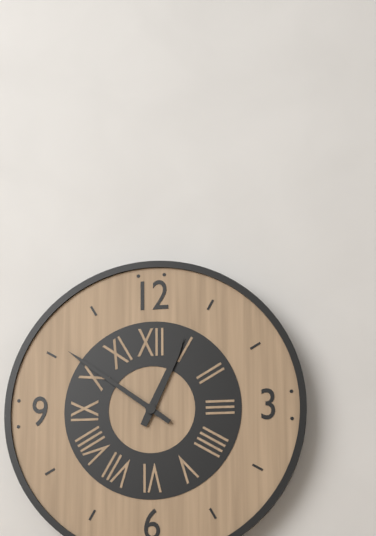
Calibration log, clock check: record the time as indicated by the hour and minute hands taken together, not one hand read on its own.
12:51
